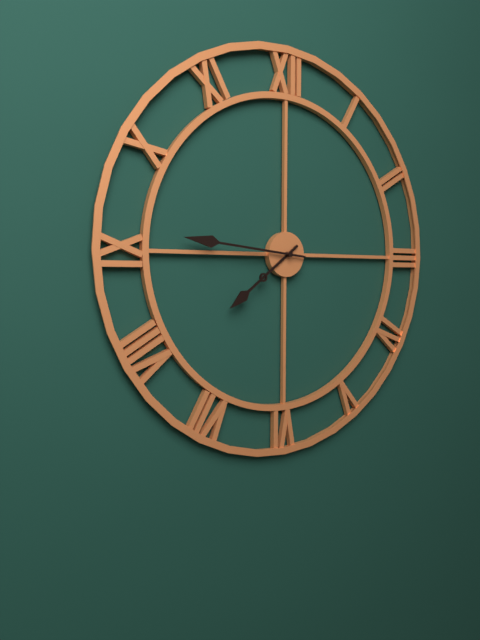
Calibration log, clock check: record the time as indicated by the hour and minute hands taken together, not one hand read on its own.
7:46
